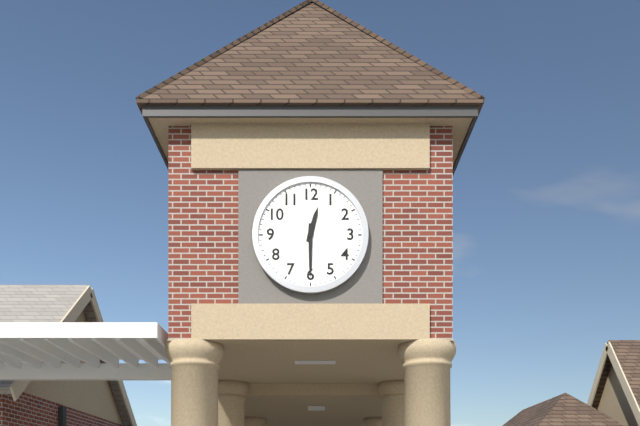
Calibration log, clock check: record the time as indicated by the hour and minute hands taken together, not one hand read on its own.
12:30
